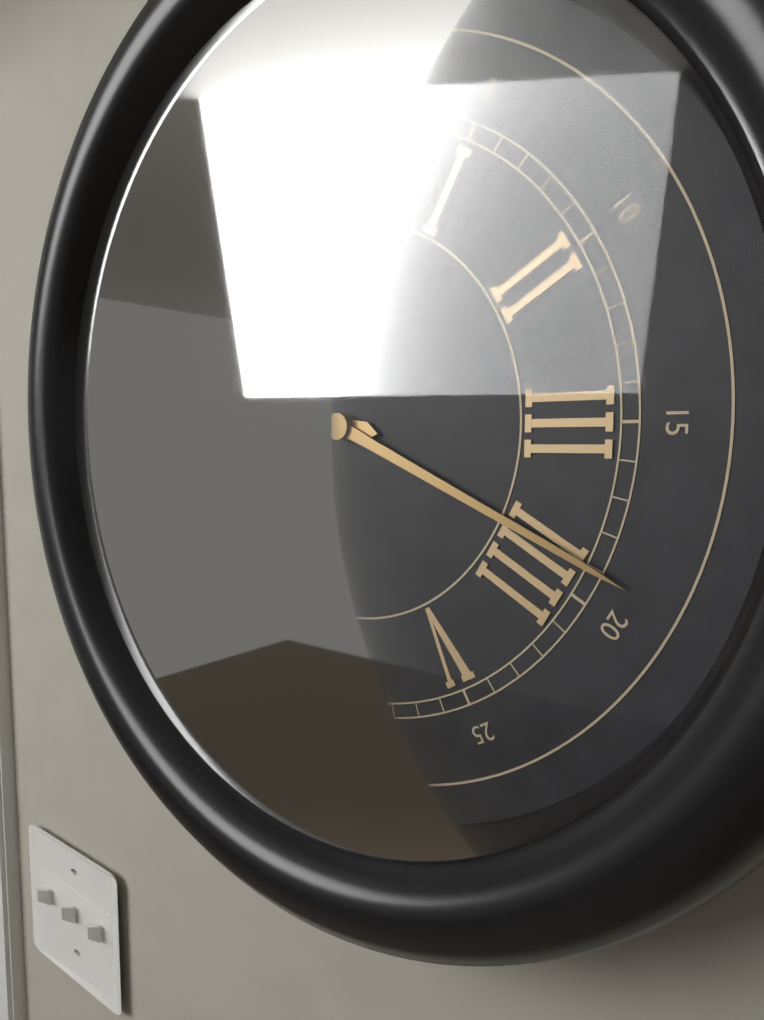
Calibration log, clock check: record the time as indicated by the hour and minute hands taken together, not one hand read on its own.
9:19
